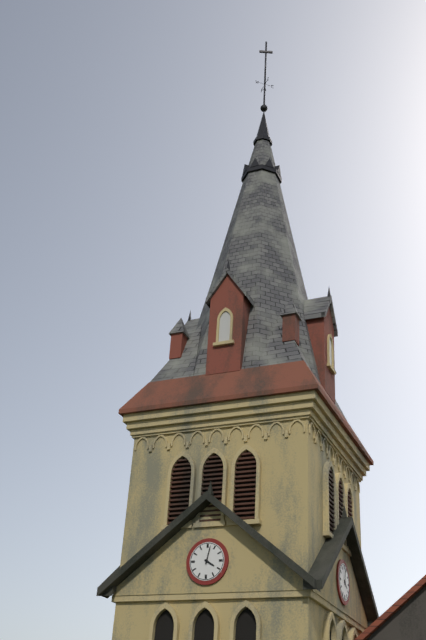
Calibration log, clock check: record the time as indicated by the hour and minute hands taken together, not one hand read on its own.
4:02
